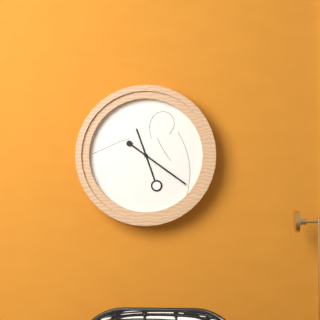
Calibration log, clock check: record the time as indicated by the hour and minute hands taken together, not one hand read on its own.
11:21
